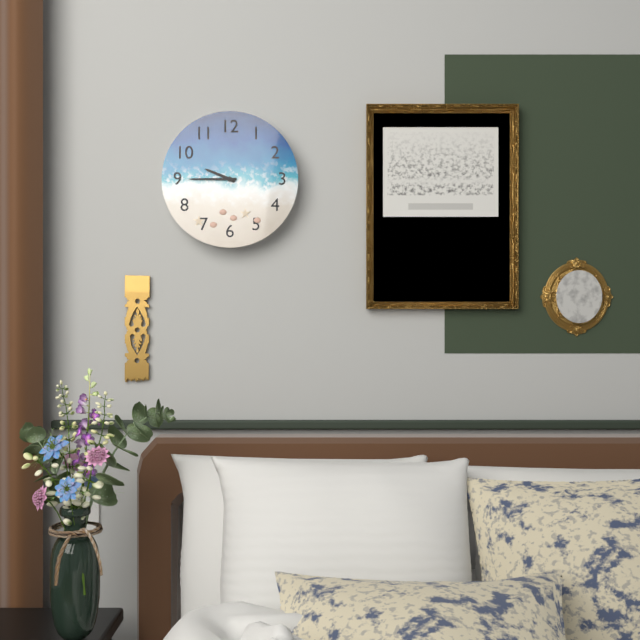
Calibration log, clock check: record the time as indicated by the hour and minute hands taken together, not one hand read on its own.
9:45
